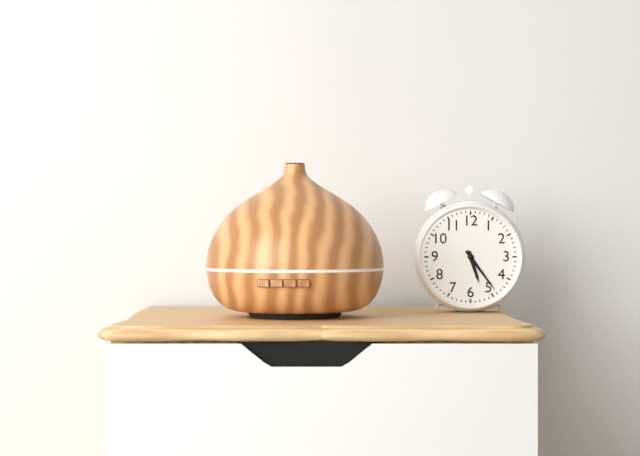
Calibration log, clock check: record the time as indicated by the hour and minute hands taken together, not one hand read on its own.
5:24
